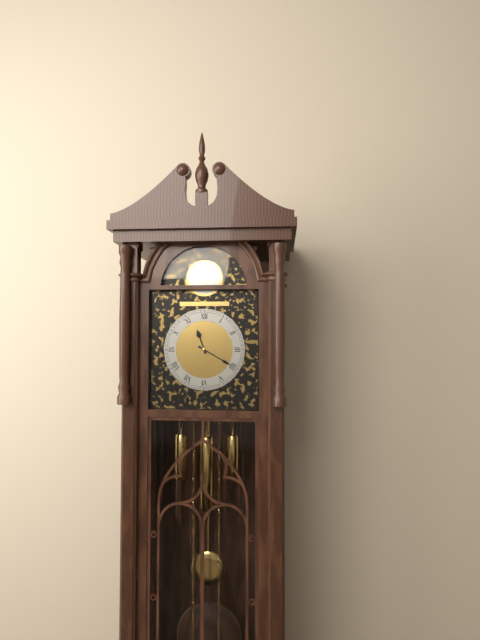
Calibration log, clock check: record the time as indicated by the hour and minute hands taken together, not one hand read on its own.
11:20
